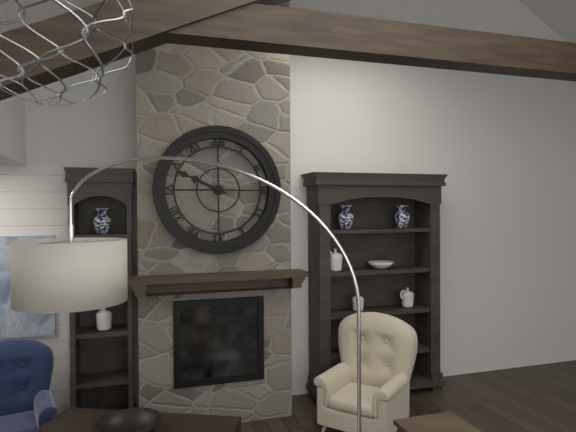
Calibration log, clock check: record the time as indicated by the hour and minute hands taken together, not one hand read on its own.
9:49
